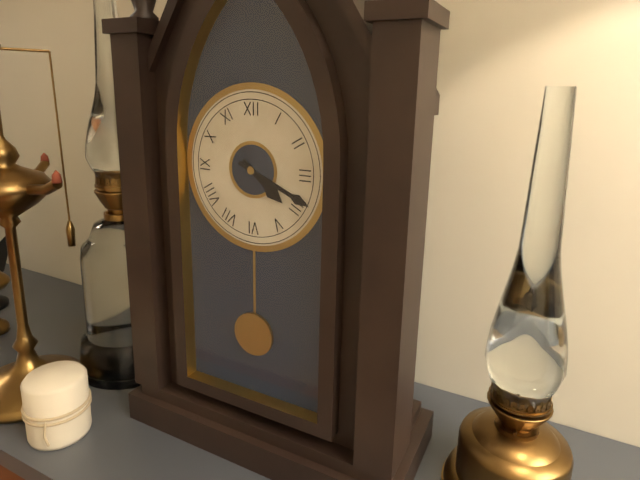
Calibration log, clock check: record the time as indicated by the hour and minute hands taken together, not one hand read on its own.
4:19
